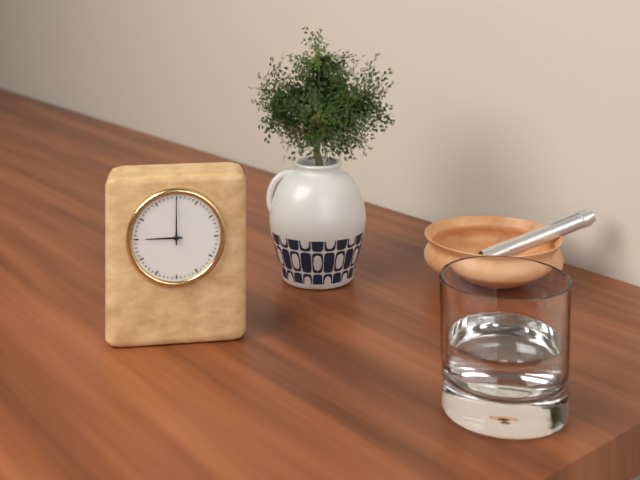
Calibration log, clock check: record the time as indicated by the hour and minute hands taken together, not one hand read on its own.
9:00
